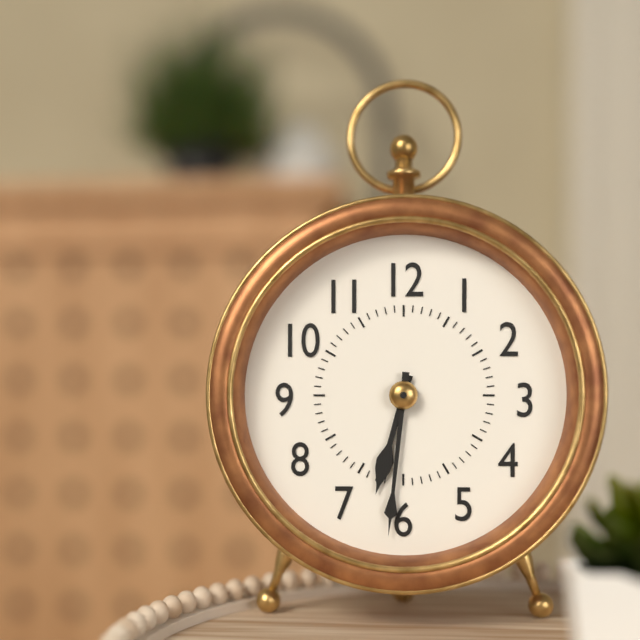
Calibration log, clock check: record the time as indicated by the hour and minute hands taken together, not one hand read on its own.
6:31
